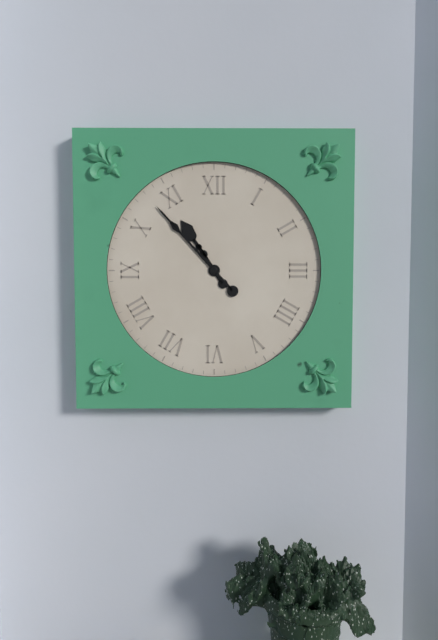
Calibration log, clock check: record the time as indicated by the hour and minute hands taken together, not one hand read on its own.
10:53
